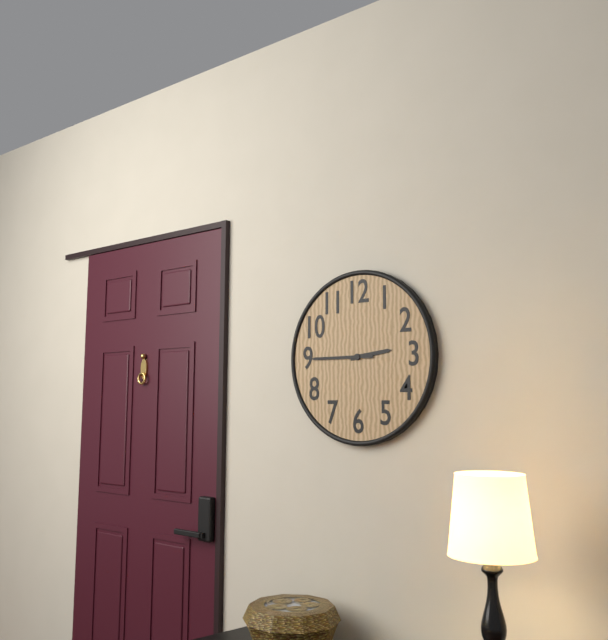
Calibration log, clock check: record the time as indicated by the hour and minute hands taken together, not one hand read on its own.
2:45
